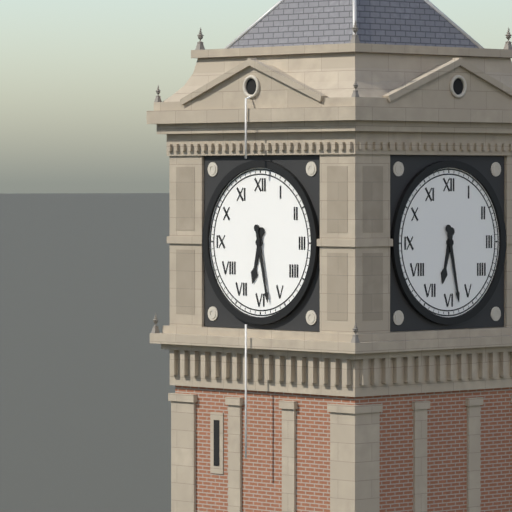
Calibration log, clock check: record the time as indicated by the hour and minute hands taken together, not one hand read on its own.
6:28
